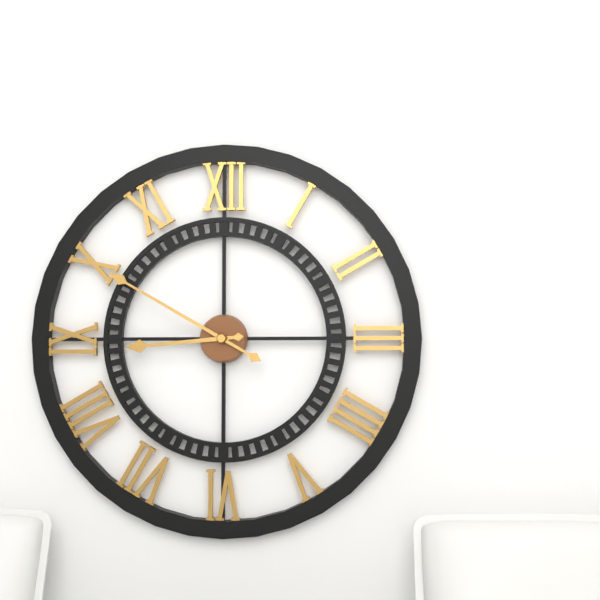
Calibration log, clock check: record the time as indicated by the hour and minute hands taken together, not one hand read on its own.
8:50
